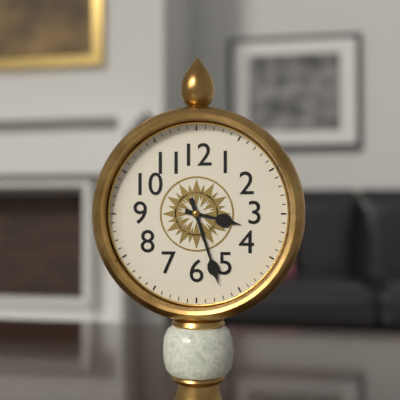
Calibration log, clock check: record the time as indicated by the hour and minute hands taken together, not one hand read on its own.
3:27
